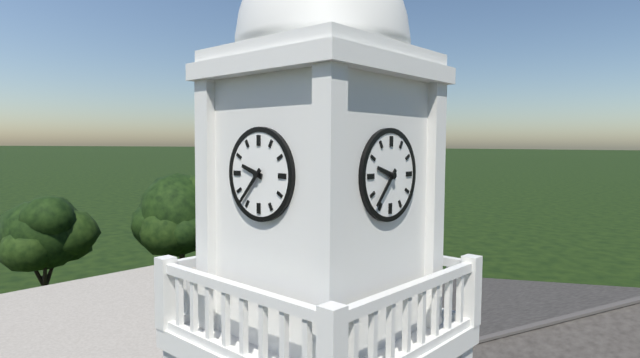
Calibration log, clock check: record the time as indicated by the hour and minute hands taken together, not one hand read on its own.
9:37
